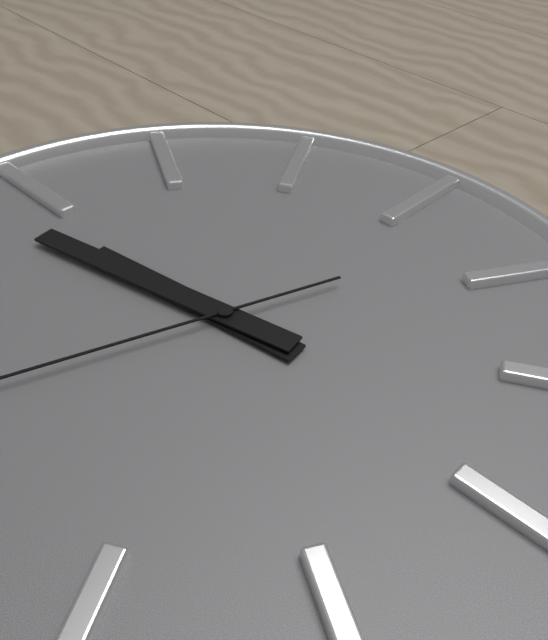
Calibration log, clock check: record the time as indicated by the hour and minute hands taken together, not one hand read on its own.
8:43
